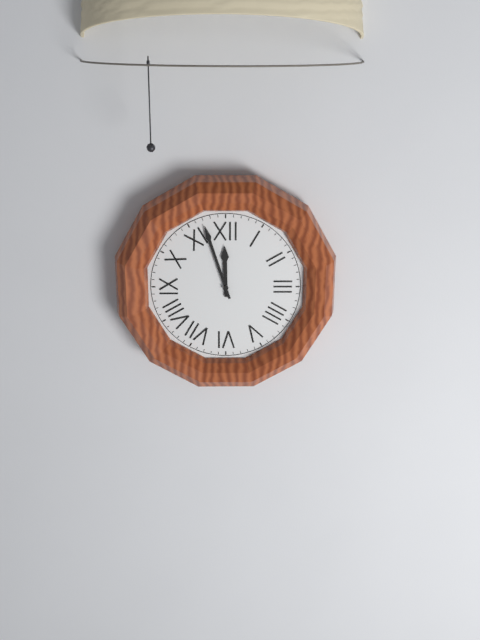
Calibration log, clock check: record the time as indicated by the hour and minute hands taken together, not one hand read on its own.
11:57
